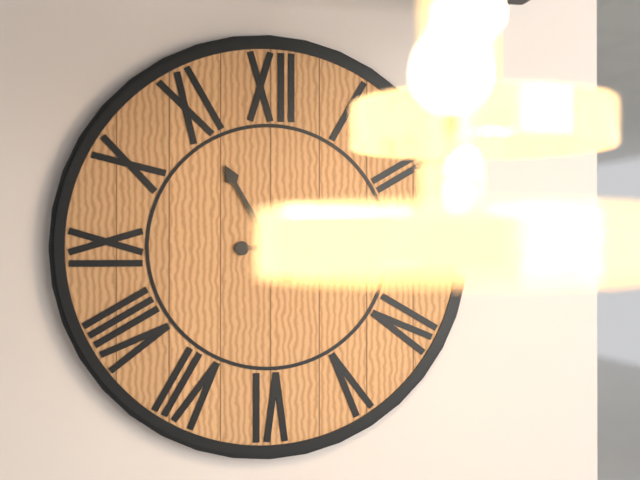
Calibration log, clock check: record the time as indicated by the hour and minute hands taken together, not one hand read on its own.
2:55
